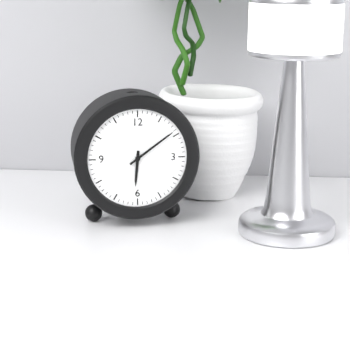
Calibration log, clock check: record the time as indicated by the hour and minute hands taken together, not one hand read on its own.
6:09
